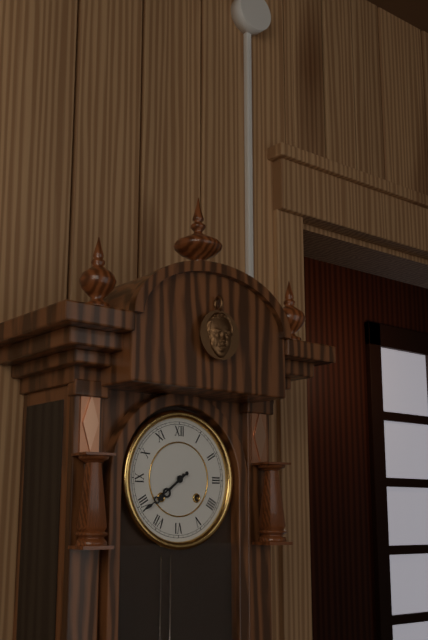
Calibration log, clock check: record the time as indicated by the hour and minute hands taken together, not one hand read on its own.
7:39
